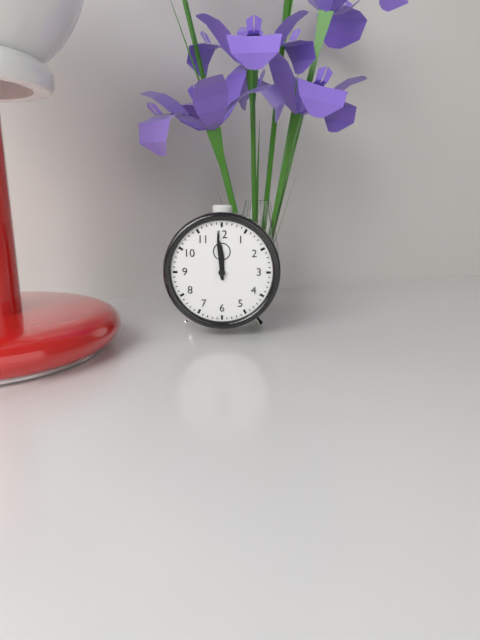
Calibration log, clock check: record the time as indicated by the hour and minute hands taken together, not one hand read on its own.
11:59
